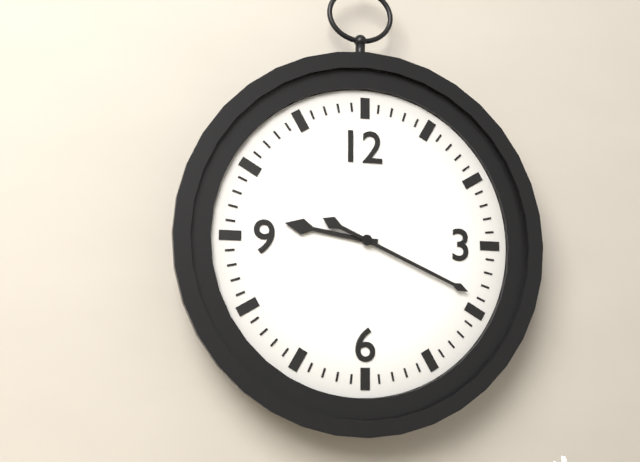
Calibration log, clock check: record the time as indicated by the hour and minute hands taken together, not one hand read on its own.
9:19
